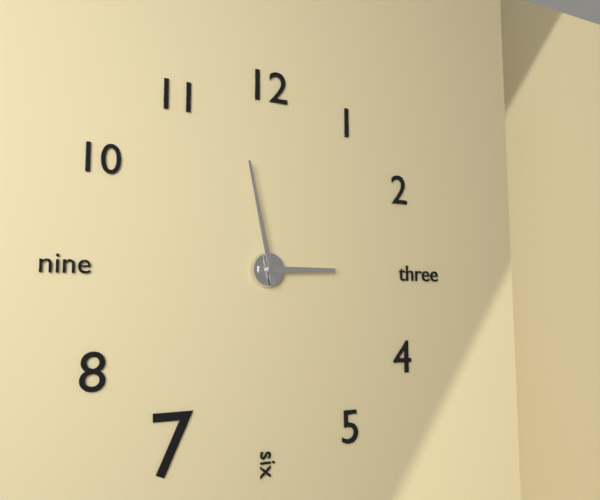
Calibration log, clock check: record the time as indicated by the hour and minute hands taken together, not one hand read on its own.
2:58
